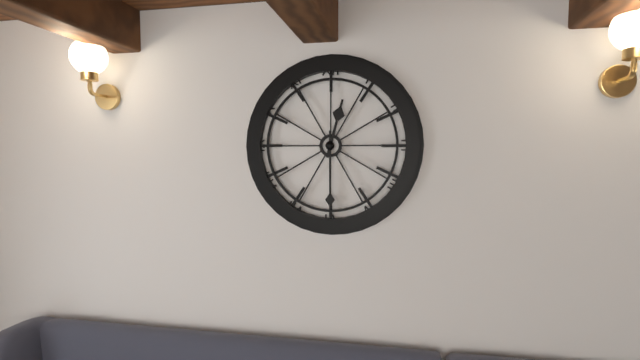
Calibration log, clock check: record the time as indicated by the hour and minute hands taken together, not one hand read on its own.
12:30
